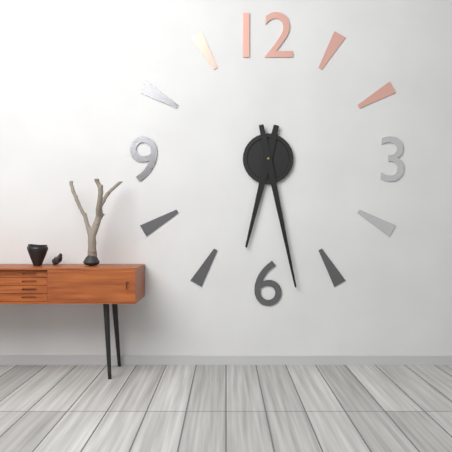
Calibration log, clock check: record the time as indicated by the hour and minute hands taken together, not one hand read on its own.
6:28
